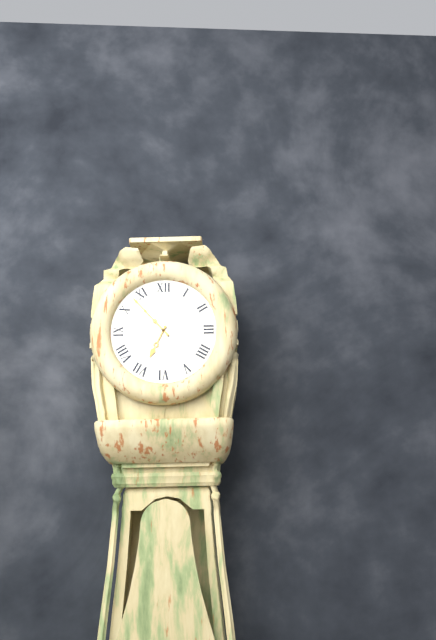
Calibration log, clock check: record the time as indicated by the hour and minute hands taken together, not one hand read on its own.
6:53
